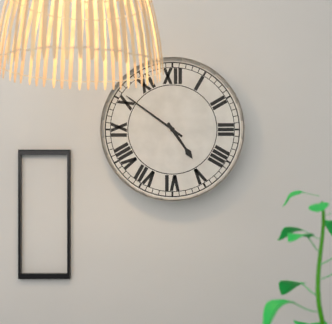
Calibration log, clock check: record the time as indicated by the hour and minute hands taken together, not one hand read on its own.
4:51
